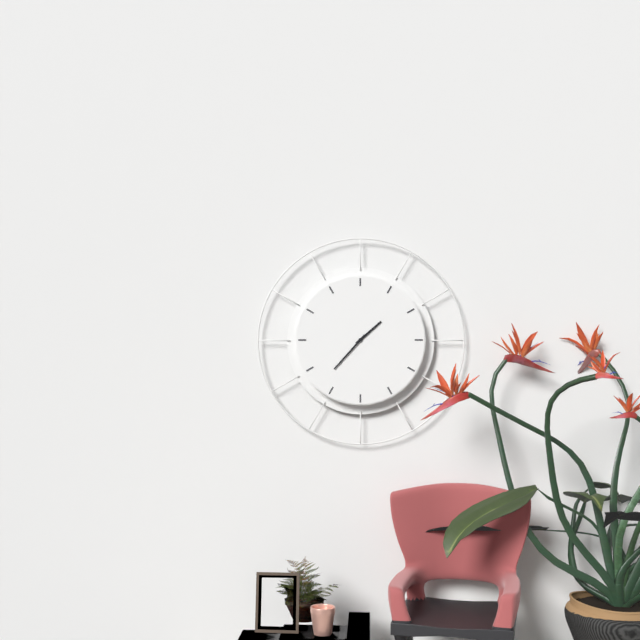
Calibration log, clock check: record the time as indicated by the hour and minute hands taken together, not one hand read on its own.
1:37
